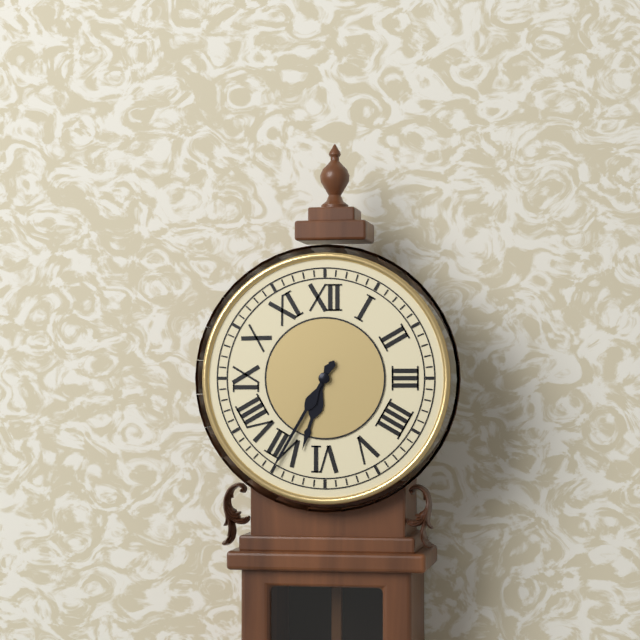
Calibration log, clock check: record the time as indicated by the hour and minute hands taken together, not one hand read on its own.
6:35
